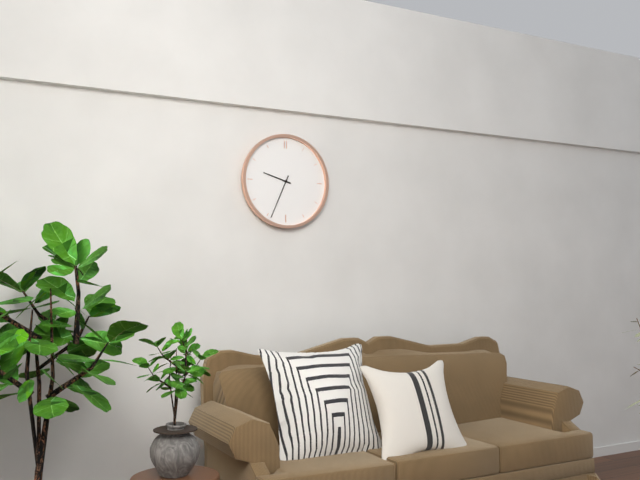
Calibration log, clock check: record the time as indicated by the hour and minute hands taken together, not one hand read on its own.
9:34
